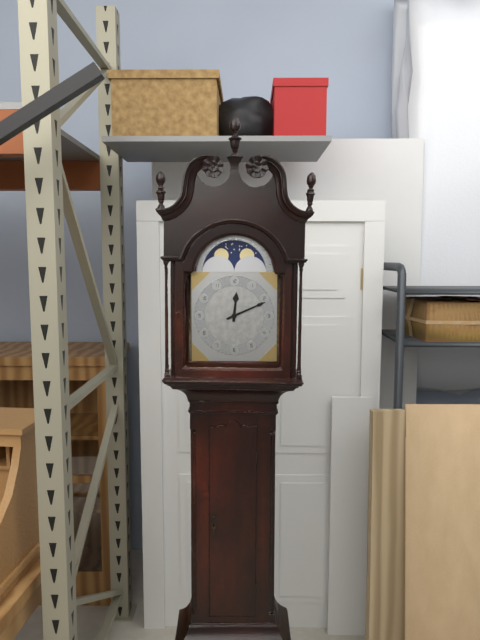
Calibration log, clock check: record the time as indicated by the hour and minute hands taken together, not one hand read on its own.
12:11
